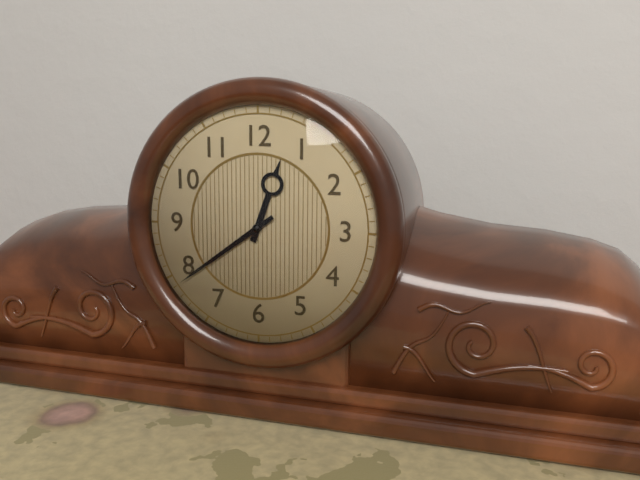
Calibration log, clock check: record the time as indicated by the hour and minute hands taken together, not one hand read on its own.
12:39
